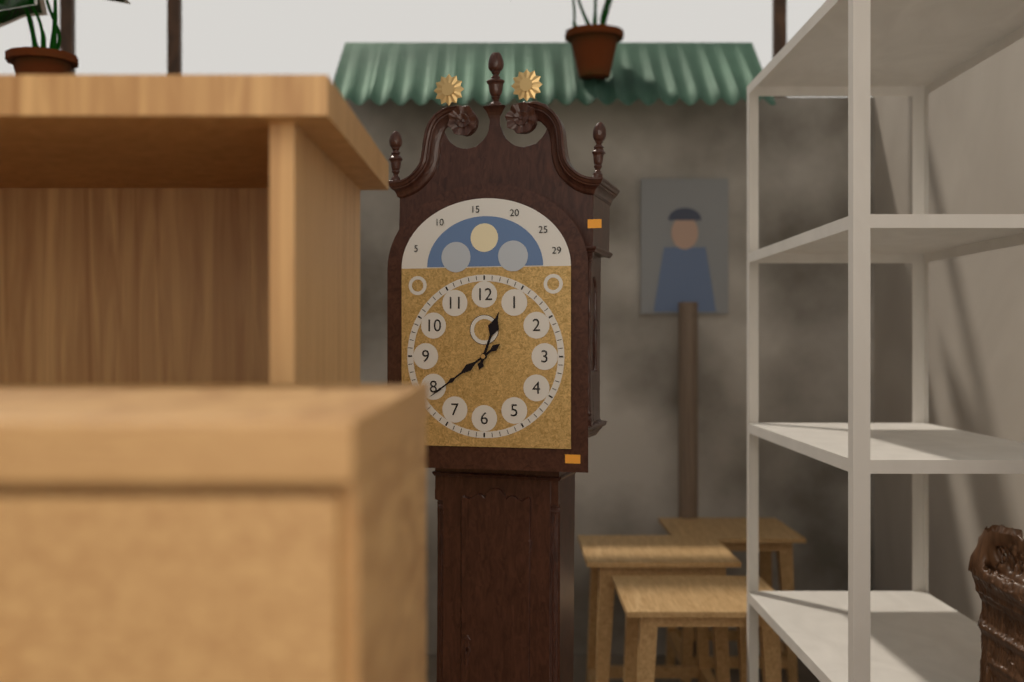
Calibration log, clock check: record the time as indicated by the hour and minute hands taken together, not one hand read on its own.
12:39
